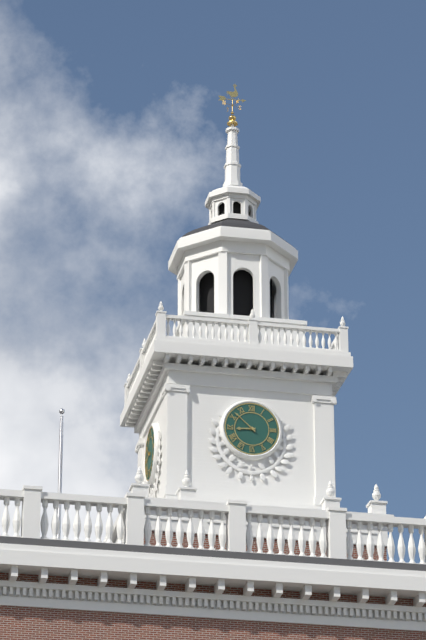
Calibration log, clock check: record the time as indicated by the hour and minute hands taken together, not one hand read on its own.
8:52
